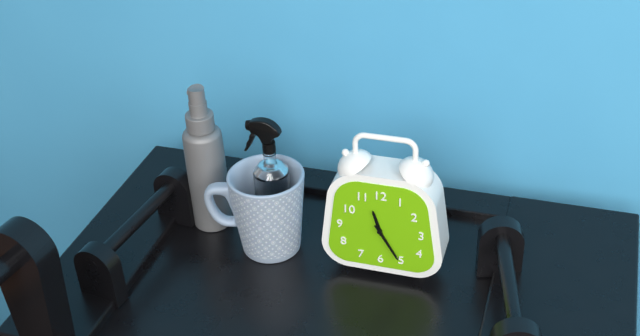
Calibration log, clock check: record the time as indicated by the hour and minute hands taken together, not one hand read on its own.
11:25
